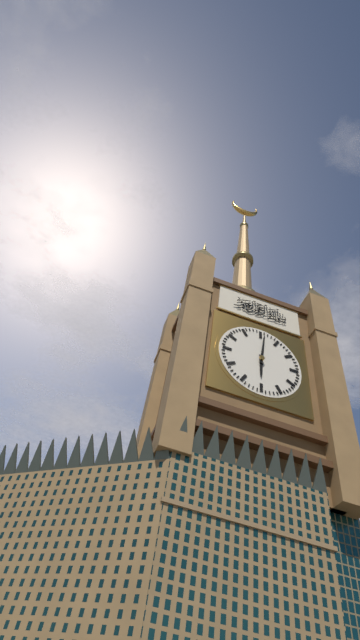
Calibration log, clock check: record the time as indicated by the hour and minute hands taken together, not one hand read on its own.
6:01
